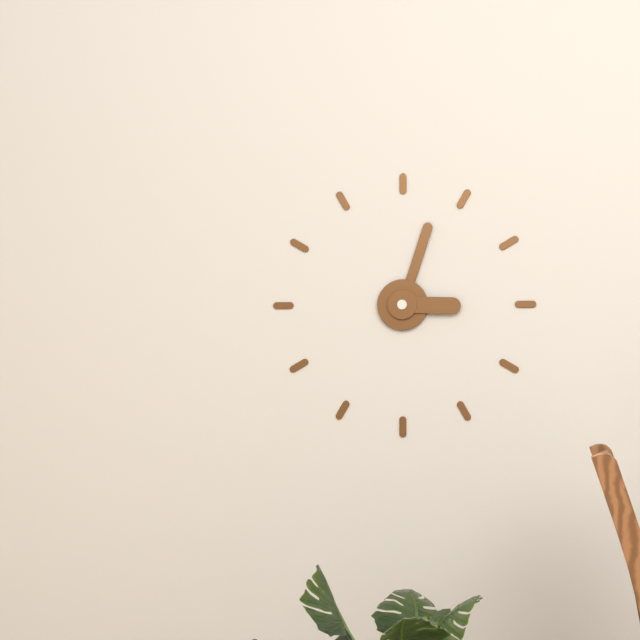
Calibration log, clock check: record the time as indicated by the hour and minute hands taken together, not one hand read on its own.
3:03
